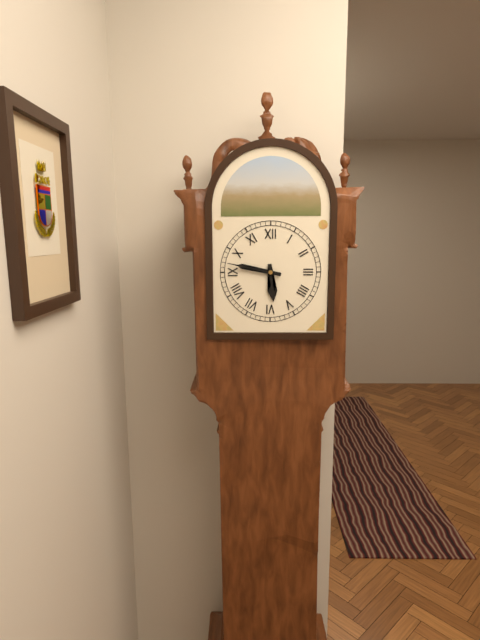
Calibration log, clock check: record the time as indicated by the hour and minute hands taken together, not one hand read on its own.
5:47
